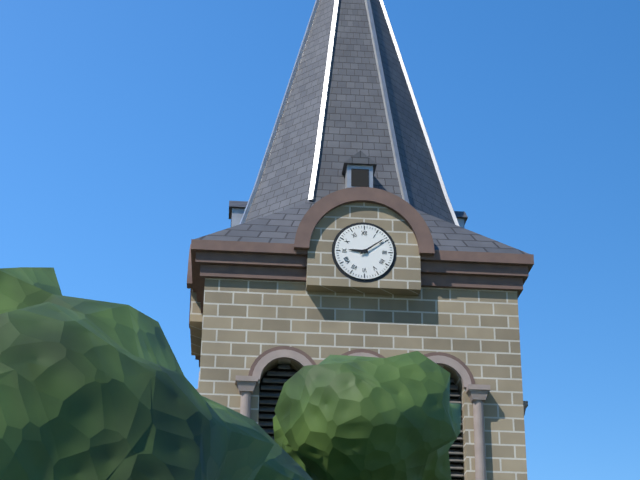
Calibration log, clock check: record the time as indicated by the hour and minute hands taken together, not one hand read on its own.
9:09
